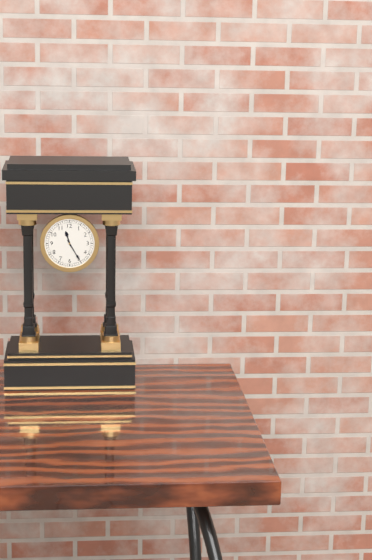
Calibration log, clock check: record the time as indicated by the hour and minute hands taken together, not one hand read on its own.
11:25
